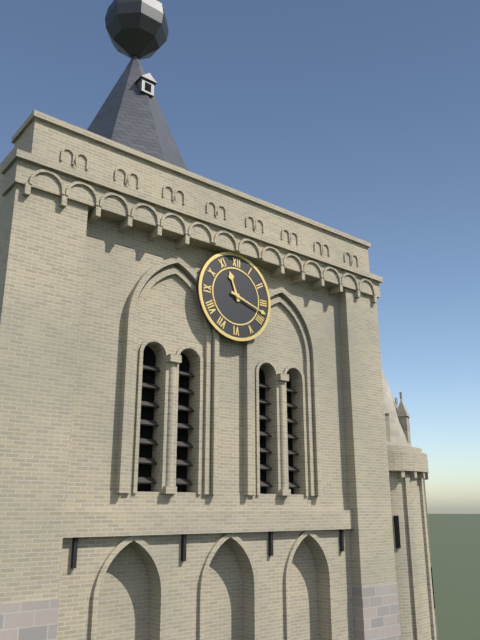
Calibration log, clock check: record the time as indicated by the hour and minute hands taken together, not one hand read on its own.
11:18
